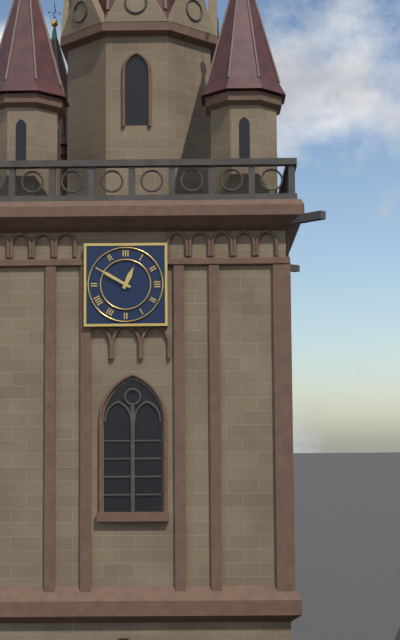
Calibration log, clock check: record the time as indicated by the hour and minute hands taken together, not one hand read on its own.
12:50
